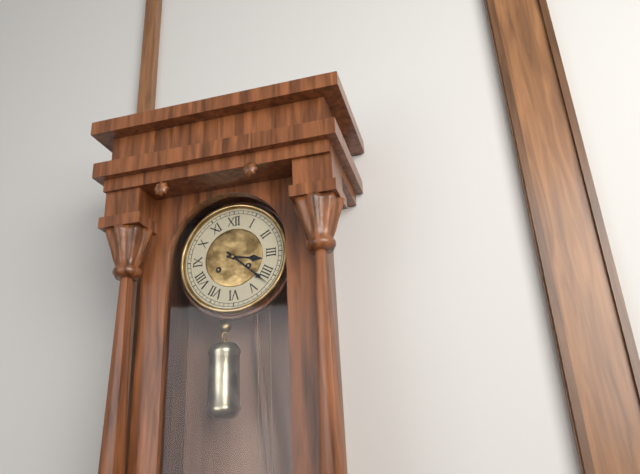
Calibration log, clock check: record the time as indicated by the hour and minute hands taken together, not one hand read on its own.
3:22
